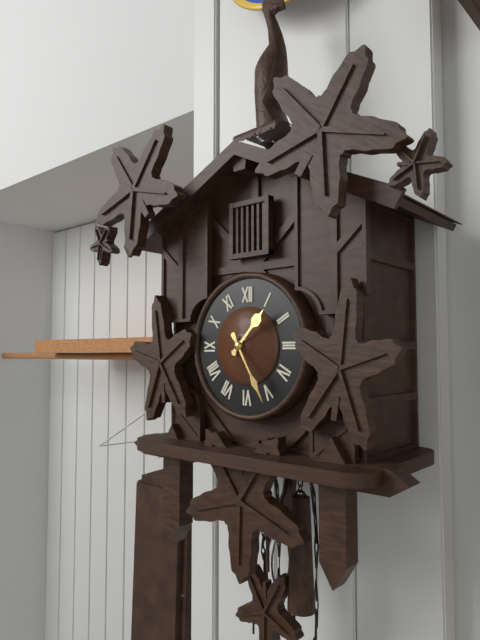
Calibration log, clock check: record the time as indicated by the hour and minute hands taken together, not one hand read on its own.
1:25
